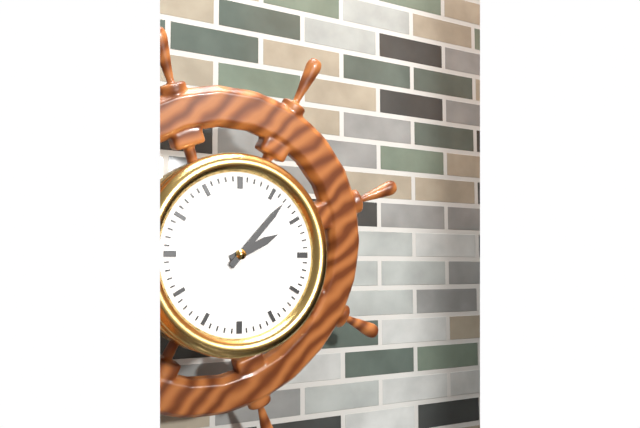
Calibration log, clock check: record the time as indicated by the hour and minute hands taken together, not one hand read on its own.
2:07
